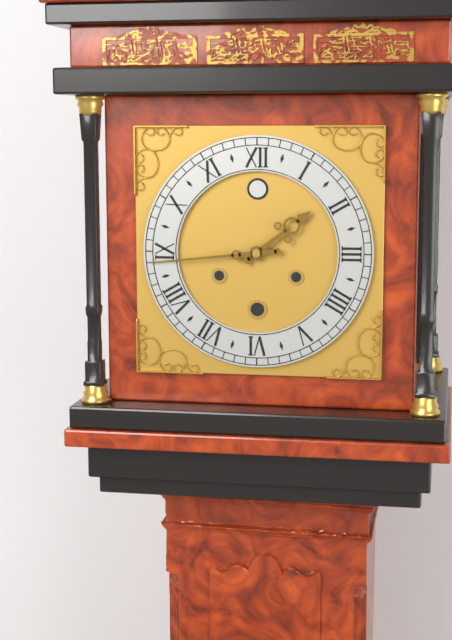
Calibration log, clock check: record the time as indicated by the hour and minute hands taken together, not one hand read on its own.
1:44
